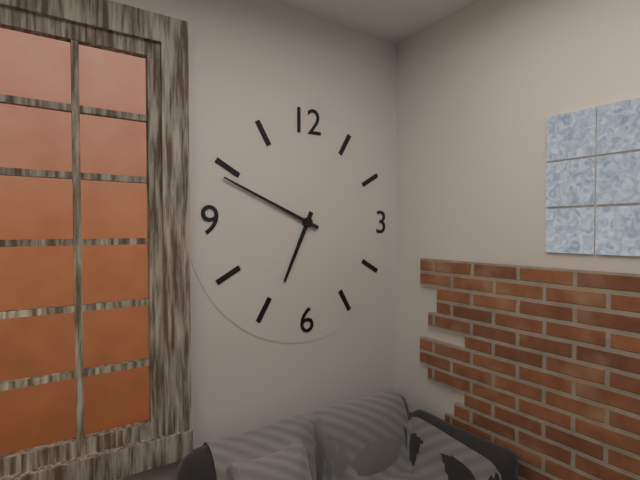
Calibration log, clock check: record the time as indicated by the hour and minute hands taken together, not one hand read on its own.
6:49
